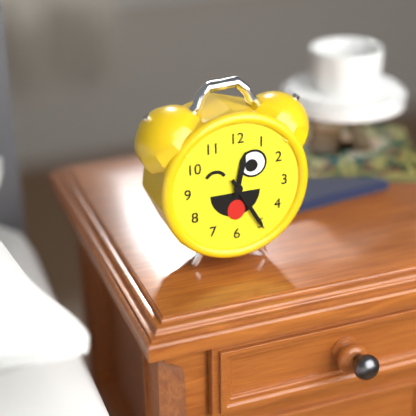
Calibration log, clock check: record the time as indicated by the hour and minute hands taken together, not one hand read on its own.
12:25
